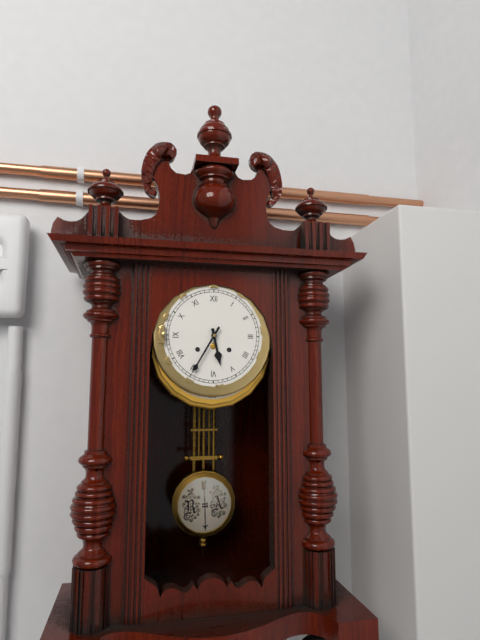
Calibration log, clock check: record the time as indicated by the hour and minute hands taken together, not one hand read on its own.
5:35
